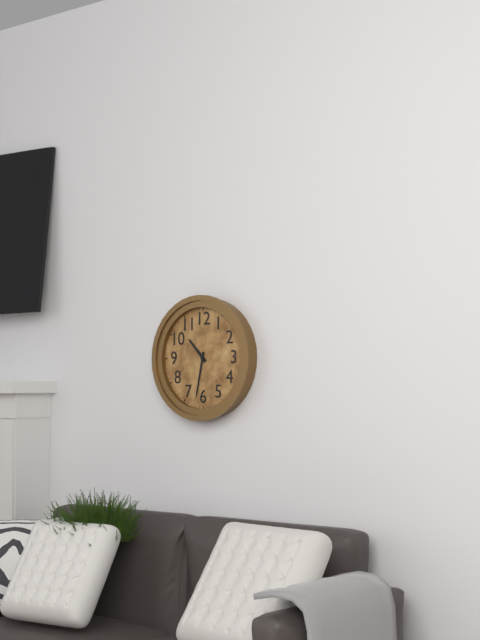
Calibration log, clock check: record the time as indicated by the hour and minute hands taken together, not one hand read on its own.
10:32
